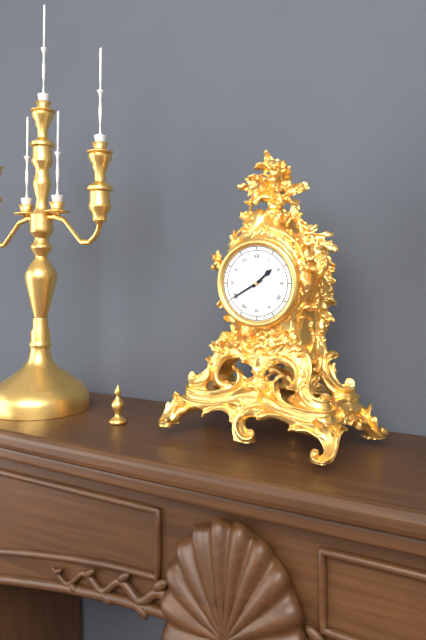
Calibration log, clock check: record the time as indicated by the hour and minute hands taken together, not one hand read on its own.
1:40
